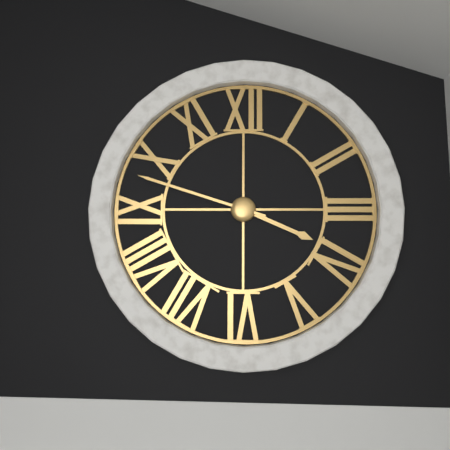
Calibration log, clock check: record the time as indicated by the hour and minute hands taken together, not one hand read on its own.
3:48
